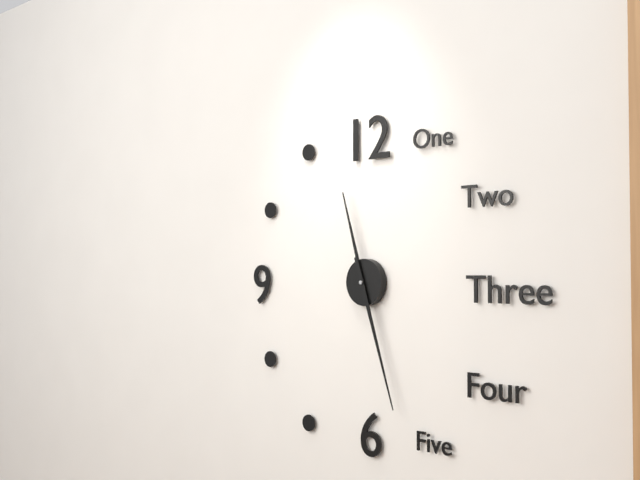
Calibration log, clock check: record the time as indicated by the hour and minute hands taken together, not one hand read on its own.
11:27
